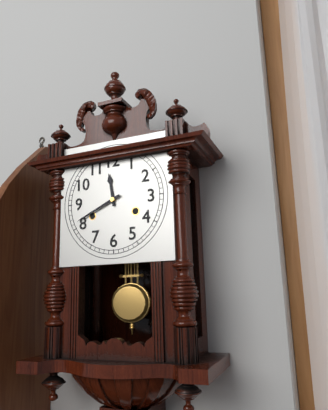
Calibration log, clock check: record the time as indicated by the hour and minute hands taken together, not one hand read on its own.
11:41
